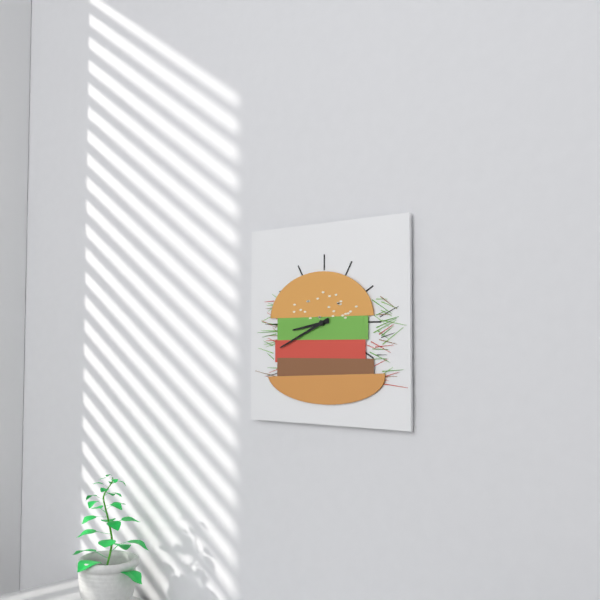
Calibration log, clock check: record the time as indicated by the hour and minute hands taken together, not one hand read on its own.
8:41
